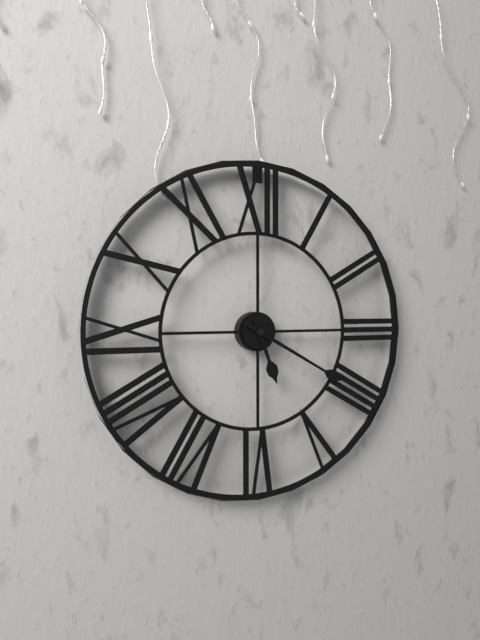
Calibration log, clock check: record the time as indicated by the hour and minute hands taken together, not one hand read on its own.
5:20
